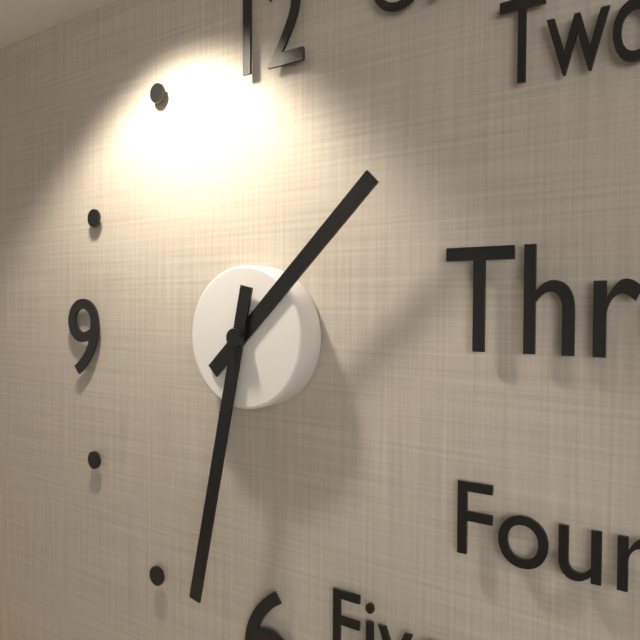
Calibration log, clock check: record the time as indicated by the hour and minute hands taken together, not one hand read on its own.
1:32
